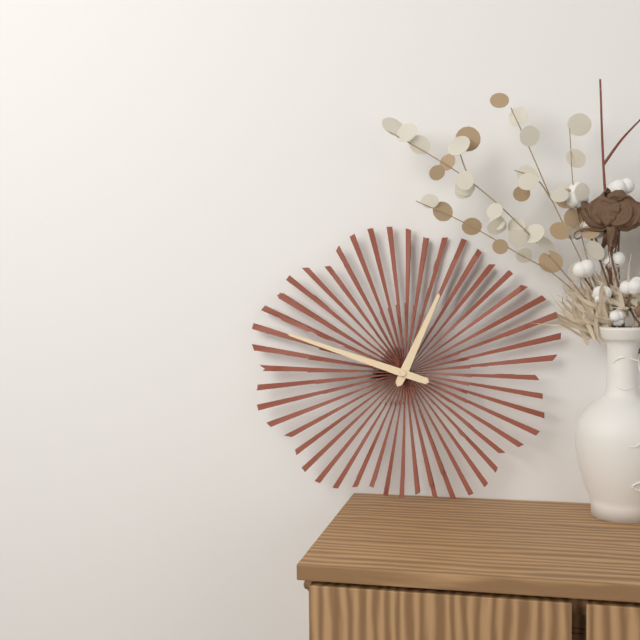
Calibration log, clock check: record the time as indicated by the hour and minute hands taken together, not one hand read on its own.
12:48
